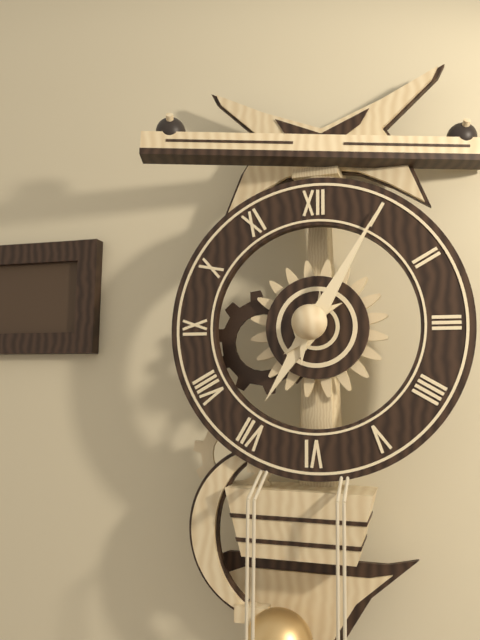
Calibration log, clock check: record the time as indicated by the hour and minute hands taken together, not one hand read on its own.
7:05
